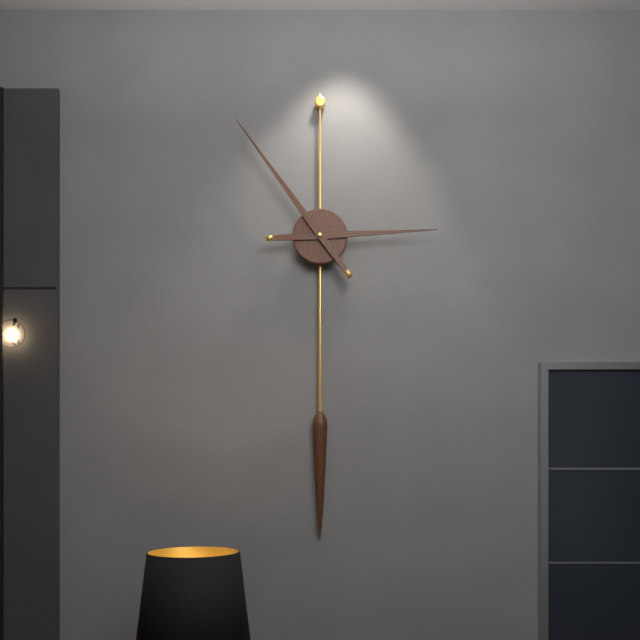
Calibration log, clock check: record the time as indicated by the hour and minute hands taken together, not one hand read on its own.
2:54
